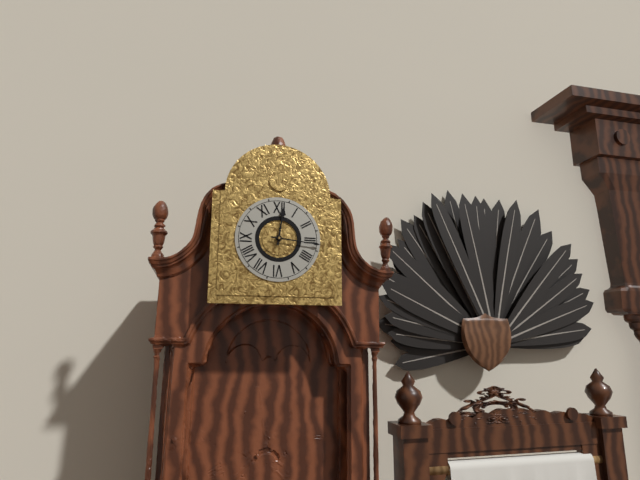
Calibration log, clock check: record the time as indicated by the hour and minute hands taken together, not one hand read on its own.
12:16
